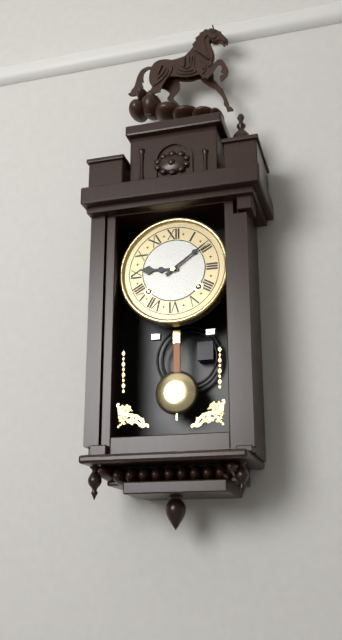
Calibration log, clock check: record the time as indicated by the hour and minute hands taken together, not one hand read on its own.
9:09
